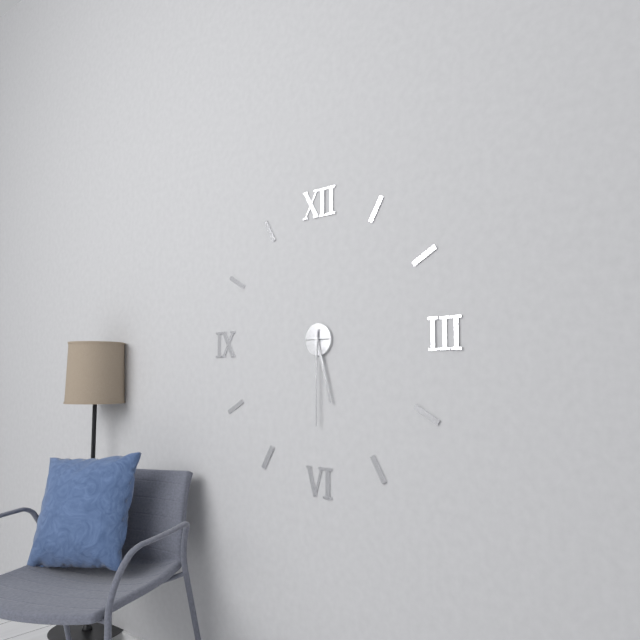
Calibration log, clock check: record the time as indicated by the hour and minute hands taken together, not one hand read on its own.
5:30
